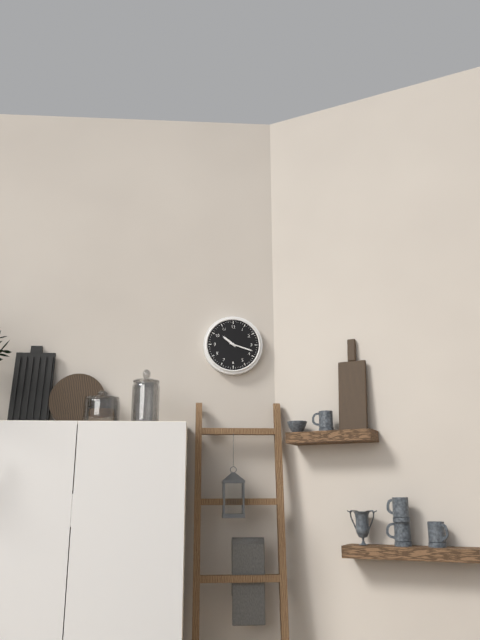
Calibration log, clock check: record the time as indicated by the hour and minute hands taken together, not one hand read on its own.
10:18
